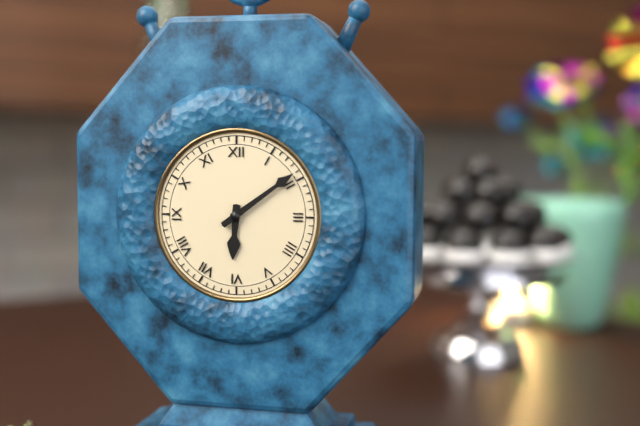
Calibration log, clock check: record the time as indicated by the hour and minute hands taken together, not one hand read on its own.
6:09
